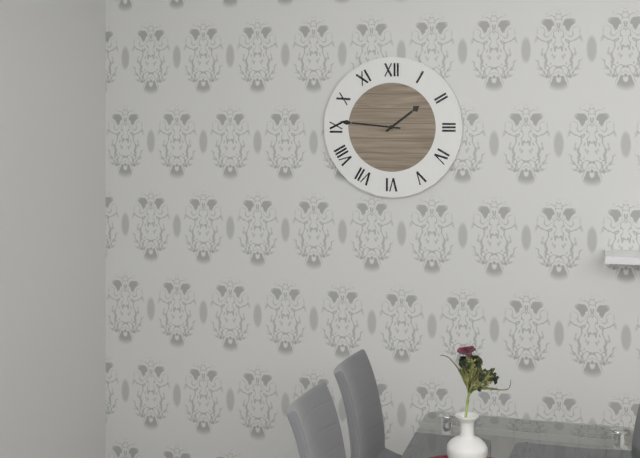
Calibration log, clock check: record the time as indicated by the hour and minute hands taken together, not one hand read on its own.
1:46
